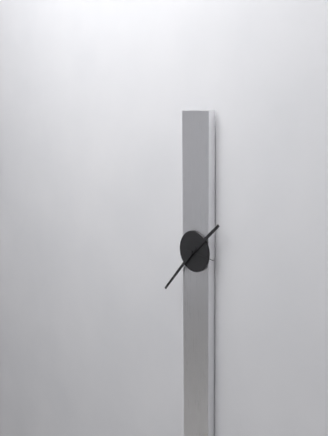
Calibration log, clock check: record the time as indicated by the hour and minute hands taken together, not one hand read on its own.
1:37
